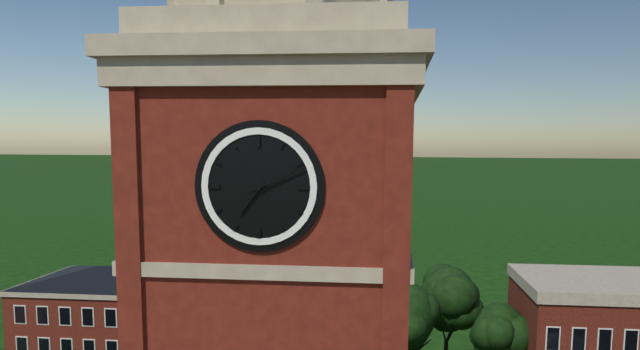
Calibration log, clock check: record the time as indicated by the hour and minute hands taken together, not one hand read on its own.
7:11
